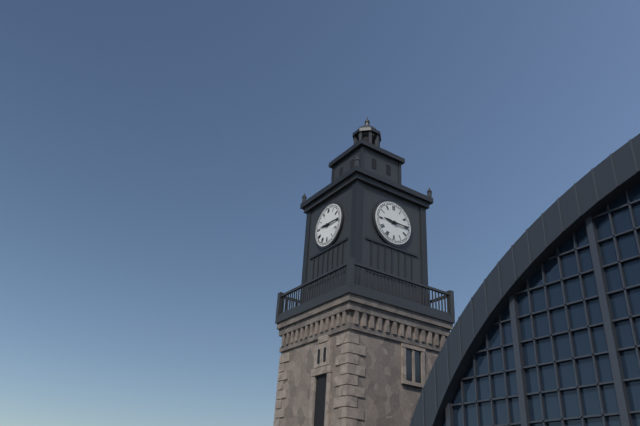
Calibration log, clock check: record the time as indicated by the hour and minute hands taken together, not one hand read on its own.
9:15
